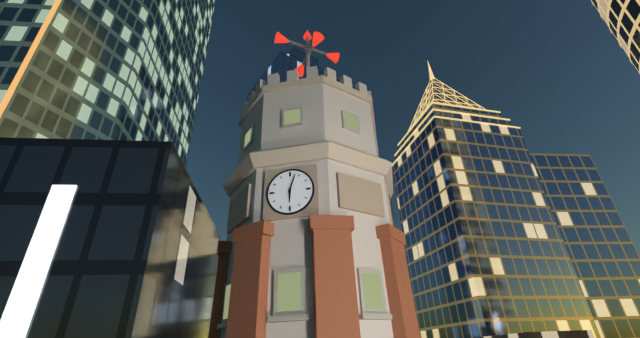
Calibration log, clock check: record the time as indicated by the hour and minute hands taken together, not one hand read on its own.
6:03
